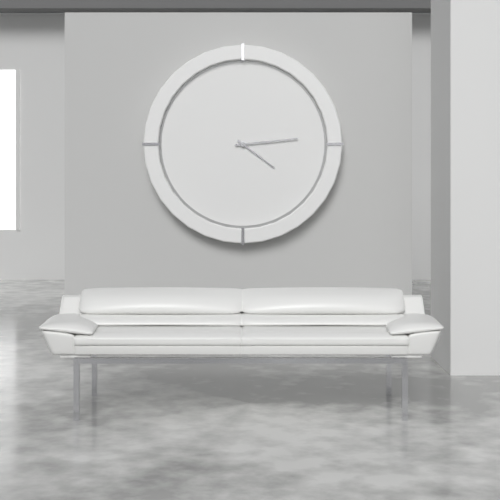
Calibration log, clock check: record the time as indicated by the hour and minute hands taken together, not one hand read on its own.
4:14
